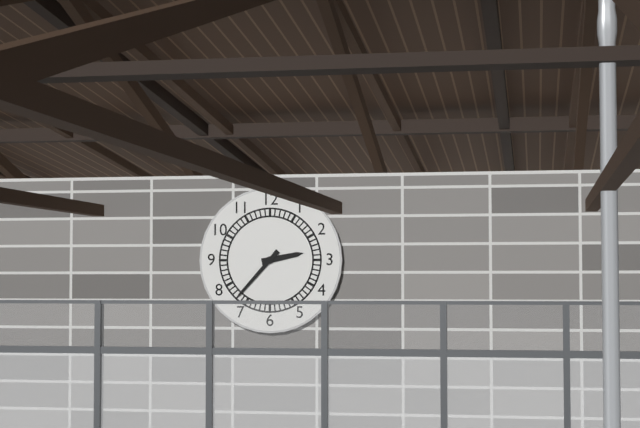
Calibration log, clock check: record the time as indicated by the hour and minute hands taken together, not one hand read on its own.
2:37
